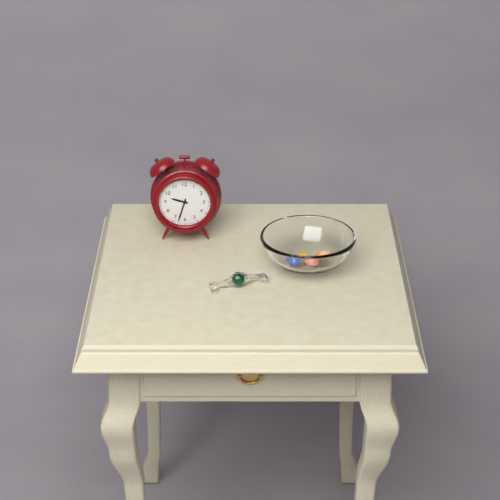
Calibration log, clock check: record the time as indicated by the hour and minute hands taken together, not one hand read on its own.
9:33
